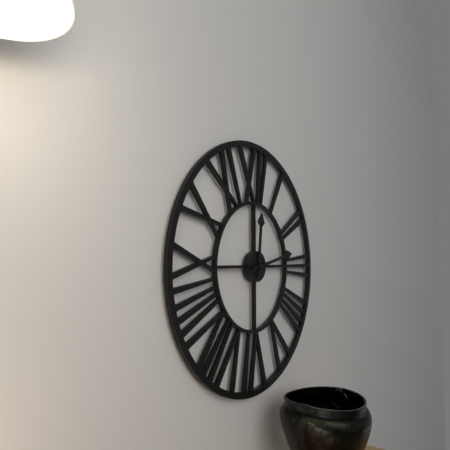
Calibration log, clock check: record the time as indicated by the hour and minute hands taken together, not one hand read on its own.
12:13
